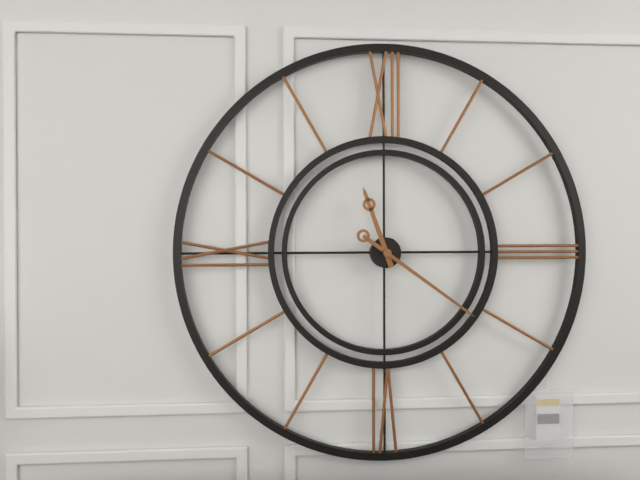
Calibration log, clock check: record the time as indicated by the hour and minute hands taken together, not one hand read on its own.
11:21
